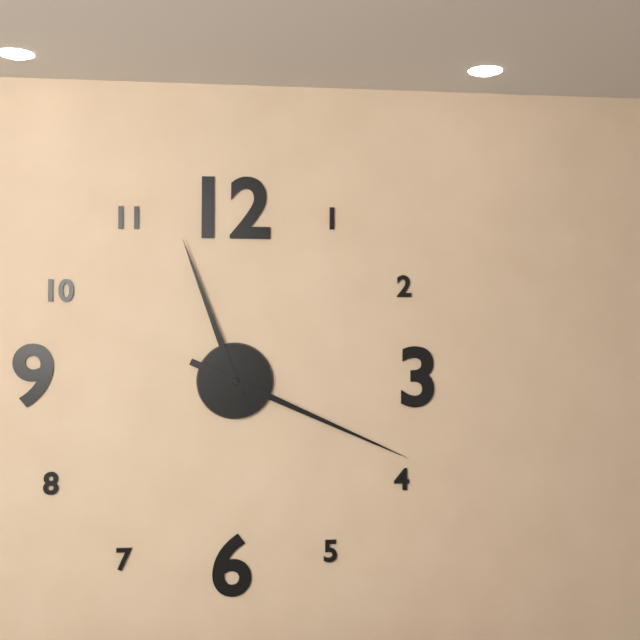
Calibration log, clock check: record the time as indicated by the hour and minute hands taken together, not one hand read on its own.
11:19
